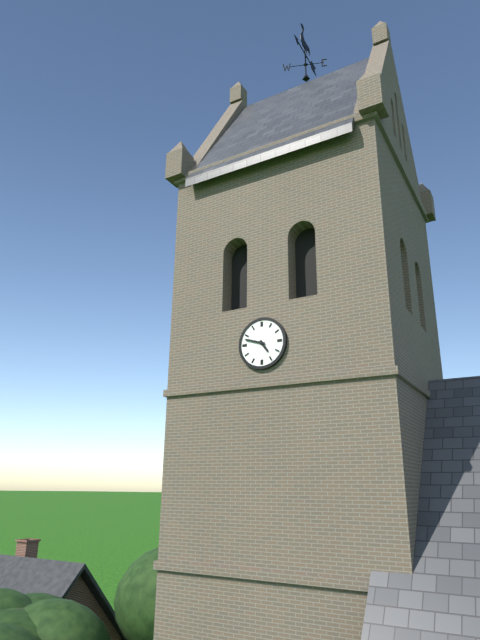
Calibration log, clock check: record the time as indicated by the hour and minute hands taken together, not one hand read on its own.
4:48
